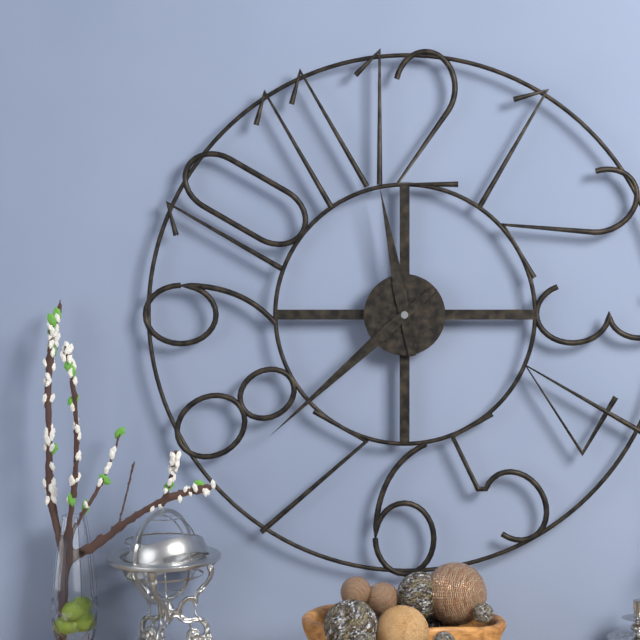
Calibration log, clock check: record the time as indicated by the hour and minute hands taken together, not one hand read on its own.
11:38
